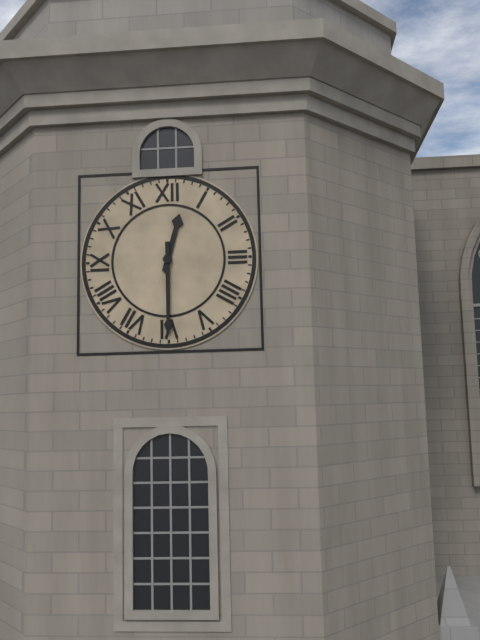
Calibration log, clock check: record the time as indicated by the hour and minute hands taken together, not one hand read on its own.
12:30
